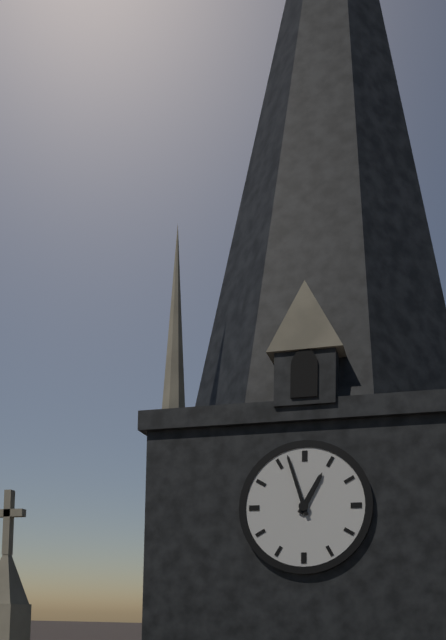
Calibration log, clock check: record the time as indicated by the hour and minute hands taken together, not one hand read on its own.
12:57
